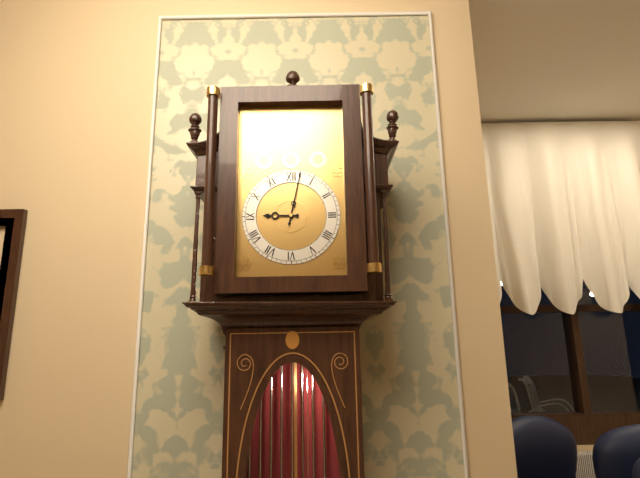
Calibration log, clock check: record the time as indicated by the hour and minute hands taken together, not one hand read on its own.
9:02
